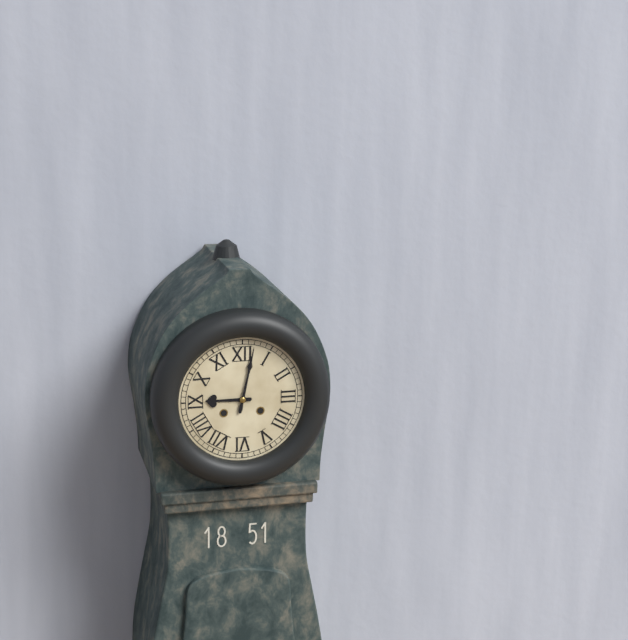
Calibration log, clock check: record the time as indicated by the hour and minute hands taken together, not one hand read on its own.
9:02
